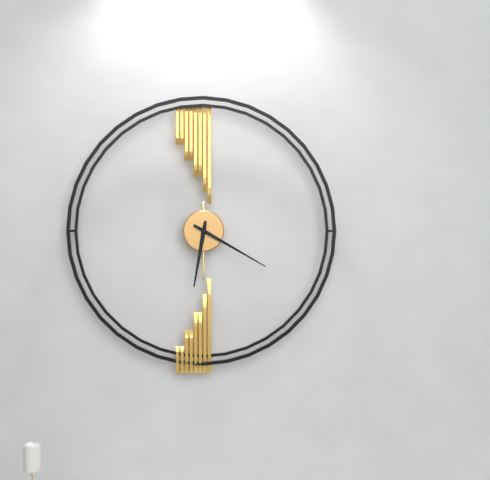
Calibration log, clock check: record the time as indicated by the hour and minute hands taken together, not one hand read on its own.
6:20
